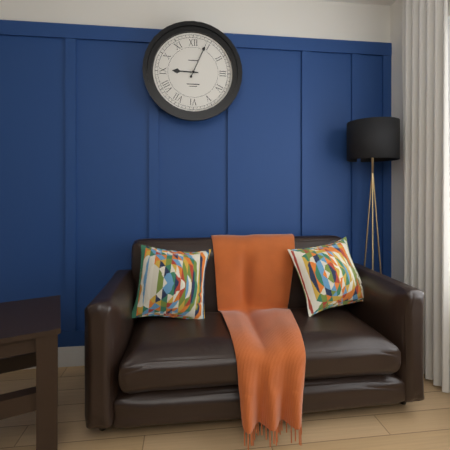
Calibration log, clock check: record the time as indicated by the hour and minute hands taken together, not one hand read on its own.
9:04
